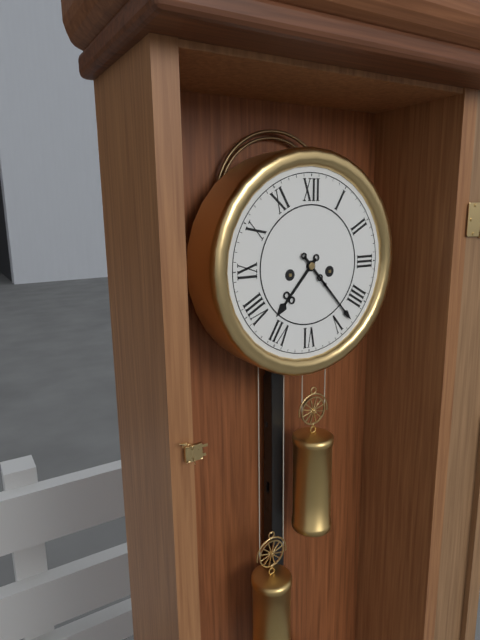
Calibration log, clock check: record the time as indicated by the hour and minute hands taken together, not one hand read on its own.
7:23
